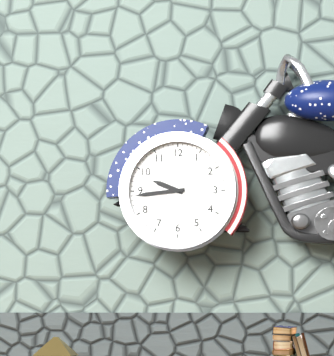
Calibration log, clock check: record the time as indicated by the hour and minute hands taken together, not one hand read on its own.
9:44
